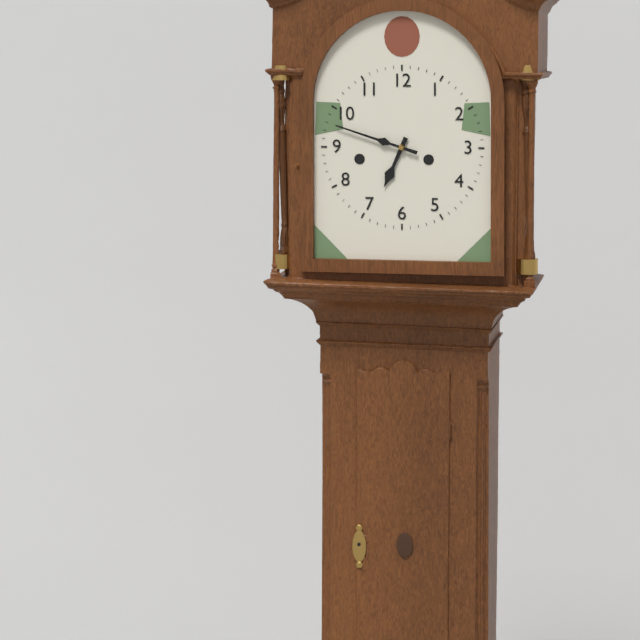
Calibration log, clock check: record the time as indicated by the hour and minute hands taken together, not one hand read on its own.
6:48
